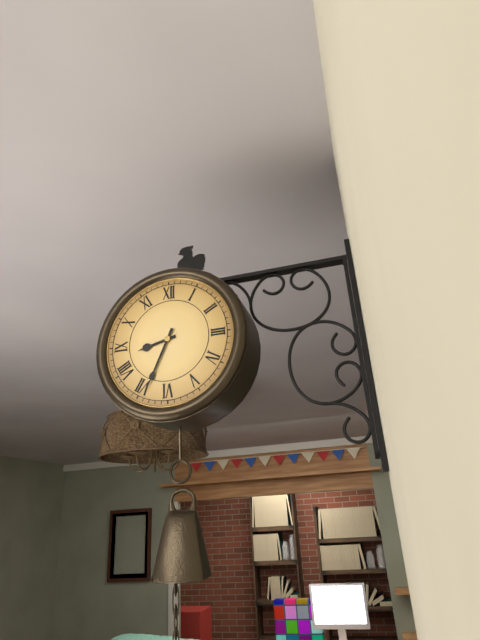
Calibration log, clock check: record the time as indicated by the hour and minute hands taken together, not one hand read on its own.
8:34
